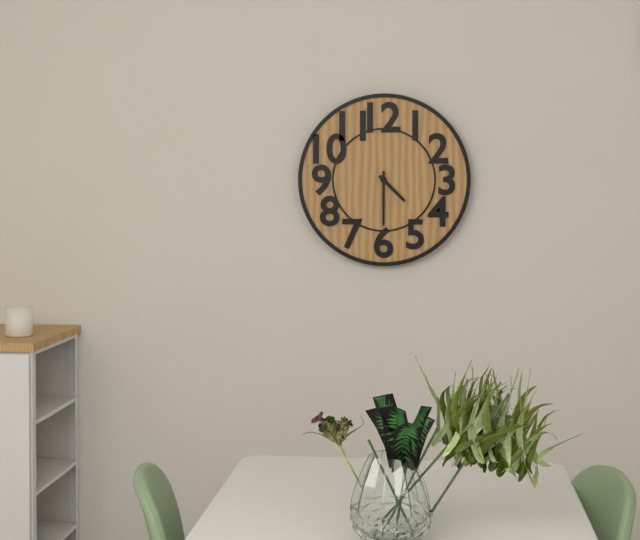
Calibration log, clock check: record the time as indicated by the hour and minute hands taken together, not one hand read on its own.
4:30
